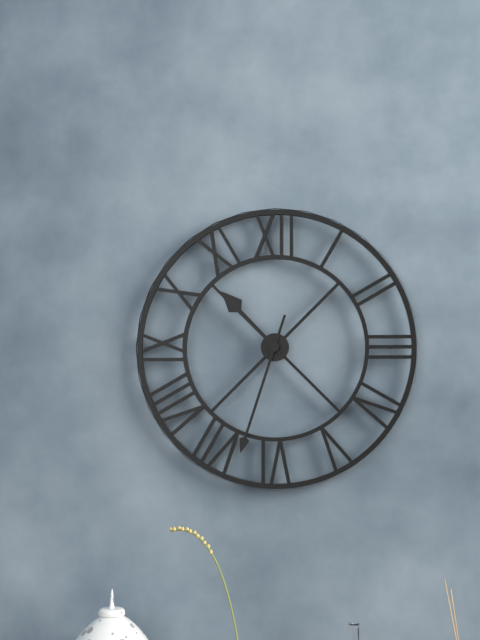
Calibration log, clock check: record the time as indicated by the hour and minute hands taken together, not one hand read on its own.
10:33
